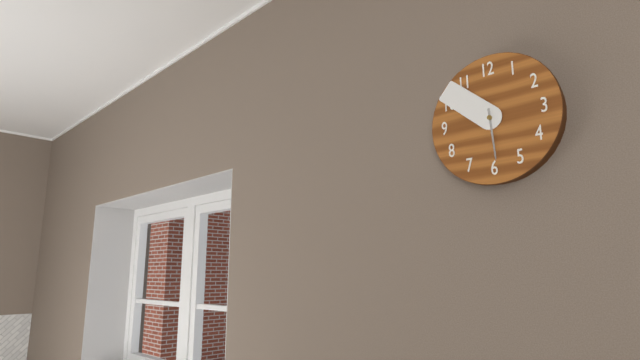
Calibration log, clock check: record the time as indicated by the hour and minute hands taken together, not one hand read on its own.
5:52
